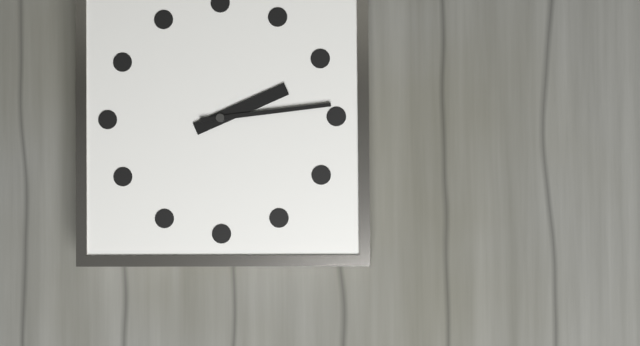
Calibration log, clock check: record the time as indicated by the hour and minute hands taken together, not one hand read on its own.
2:14
